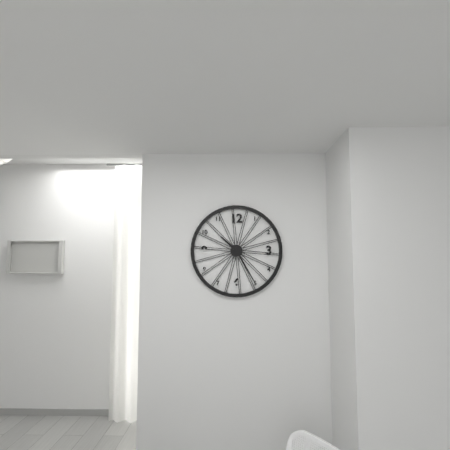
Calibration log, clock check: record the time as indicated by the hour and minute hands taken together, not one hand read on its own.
10:25
